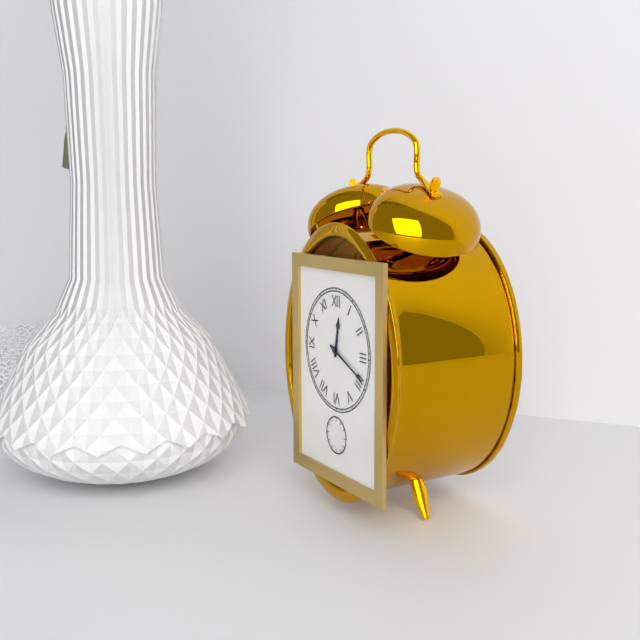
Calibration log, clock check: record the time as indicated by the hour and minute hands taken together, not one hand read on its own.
12:19
